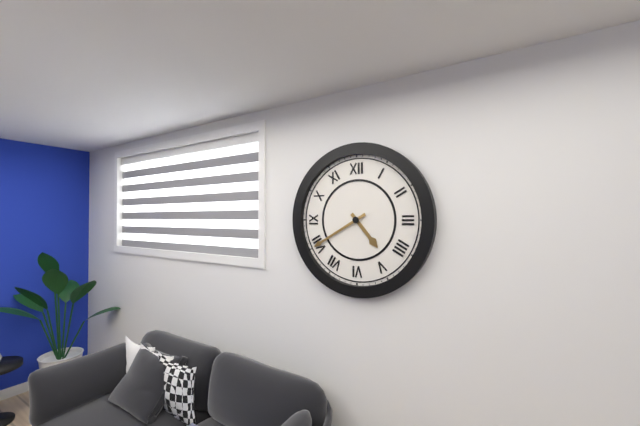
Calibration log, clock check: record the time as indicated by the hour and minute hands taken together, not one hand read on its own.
4:40
